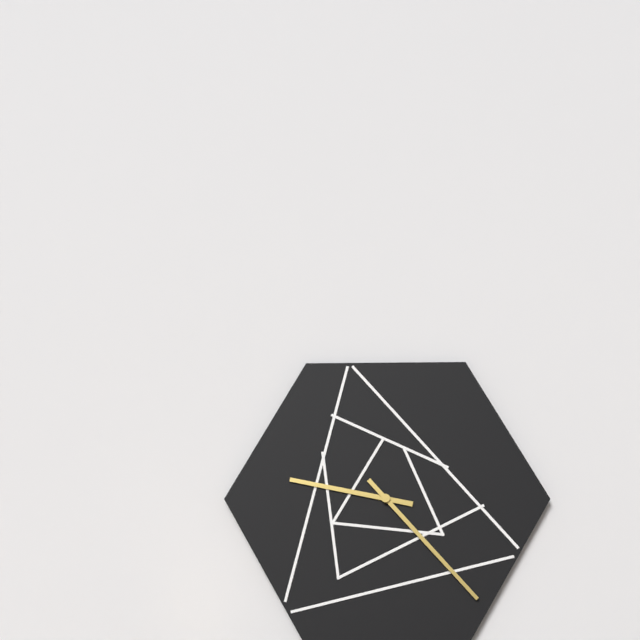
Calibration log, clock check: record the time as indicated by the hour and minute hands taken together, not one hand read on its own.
9:23
